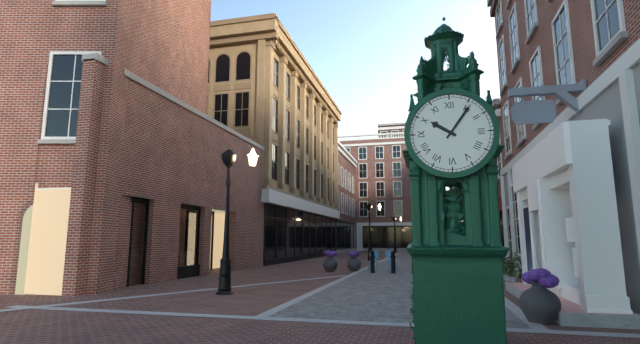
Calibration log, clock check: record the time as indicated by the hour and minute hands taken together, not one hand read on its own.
10:06
